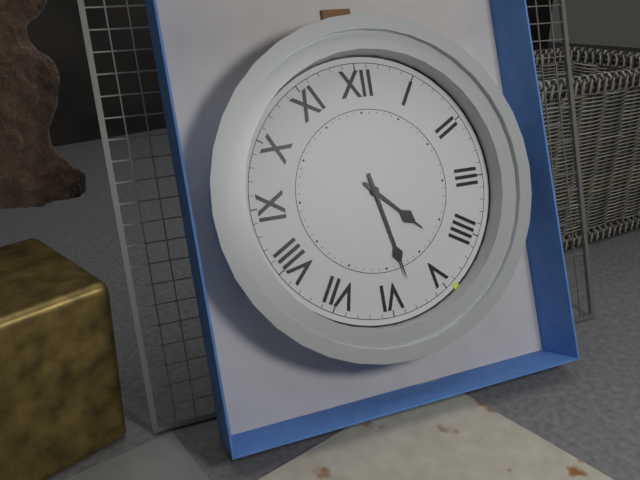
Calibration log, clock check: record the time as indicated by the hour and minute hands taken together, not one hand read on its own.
4:28
